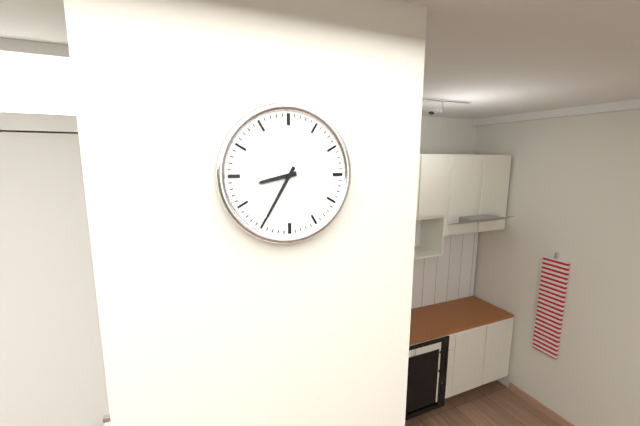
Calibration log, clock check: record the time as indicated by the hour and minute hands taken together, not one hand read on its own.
8:35
